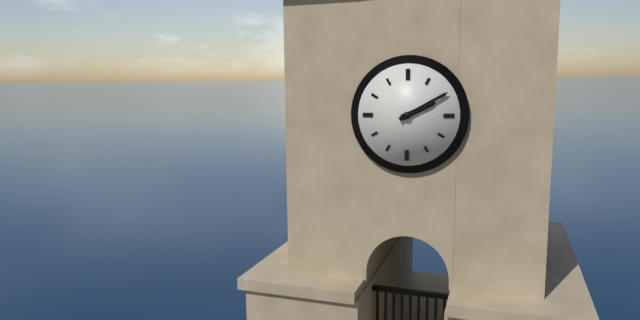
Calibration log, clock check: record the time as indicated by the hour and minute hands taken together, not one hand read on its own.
2:10
